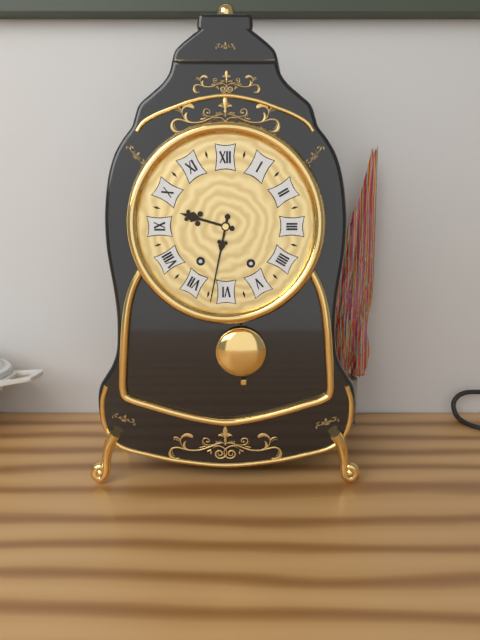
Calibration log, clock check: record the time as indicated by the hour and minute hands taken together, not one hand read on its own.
9:32
